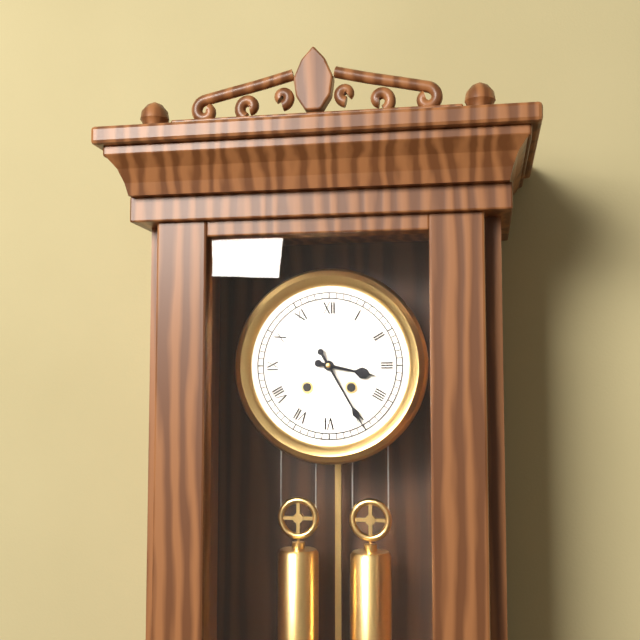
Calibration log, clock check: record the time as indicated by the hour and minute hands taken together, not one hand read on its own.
3:25
